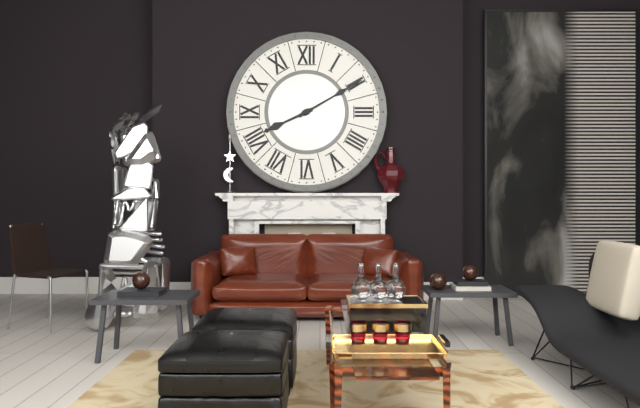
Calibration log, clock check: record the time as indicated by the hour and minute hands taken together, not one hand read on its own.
8:10
